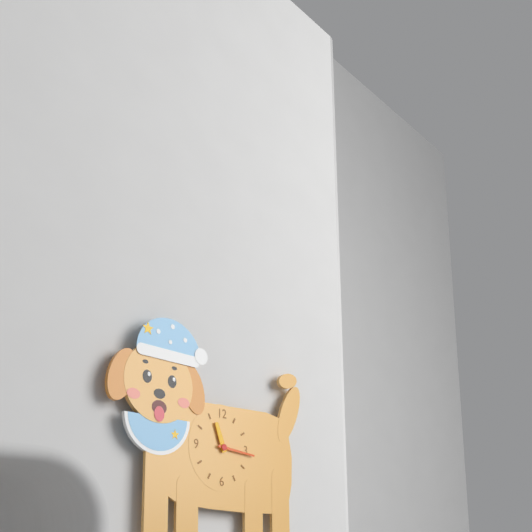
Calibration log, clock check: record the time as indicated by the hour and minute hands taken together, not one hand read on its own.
11:16
